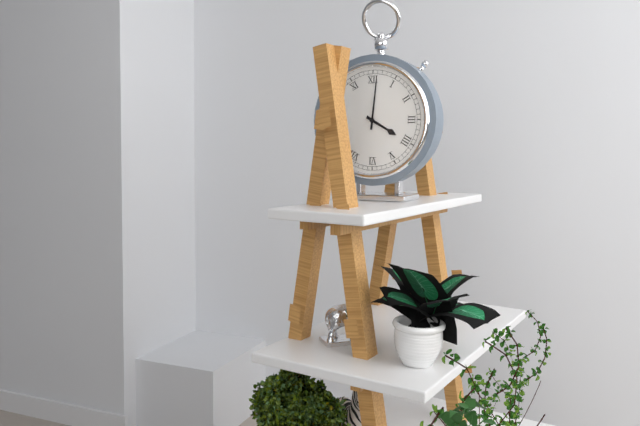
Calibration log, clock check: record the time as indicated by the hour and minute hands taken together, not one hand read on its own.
4:01
